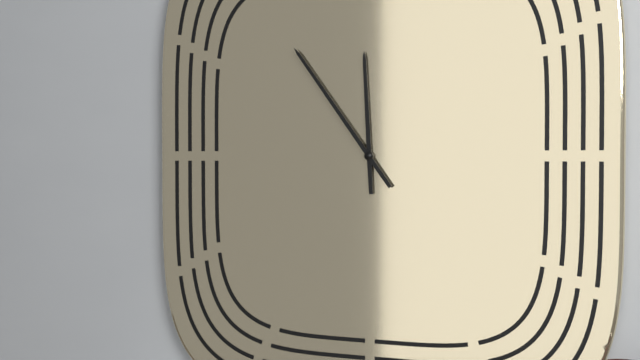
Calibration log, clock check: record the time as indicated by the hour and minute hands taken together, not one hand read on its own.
11:54
